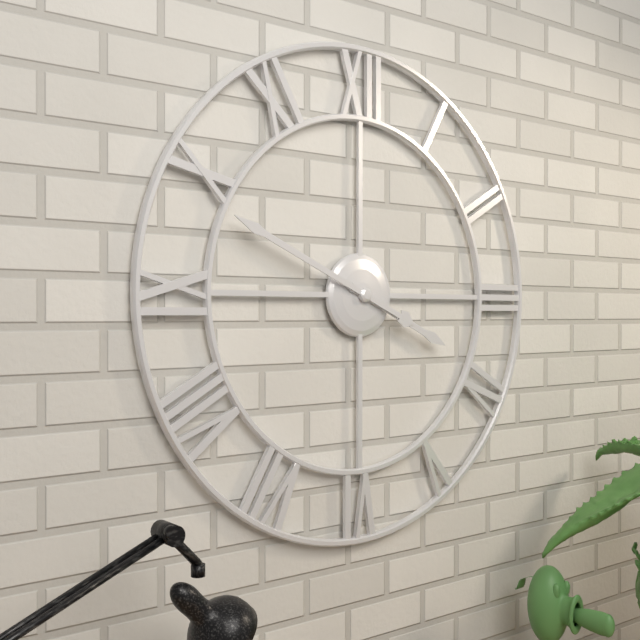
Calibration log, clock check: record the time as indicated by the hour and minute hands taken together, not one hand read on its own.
3:49
